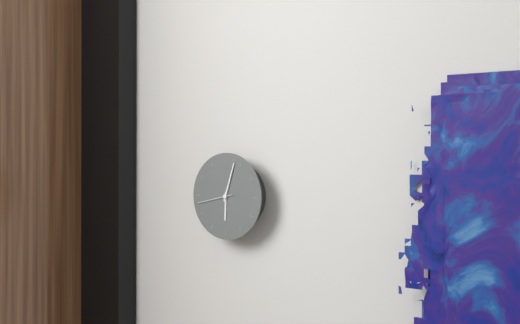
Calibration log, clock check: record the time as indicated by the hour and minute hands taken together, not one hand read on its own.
6:03
